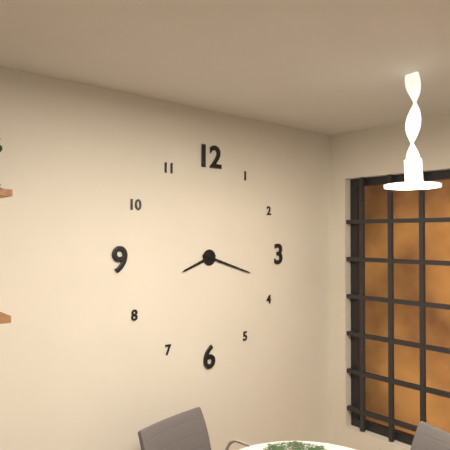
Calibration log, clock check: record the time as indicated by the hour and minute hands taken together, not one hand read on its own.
8:18
